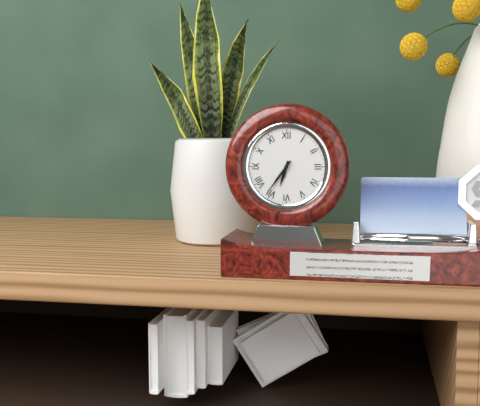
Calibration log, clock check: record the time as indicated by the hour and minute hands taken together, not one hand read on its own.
6:36
